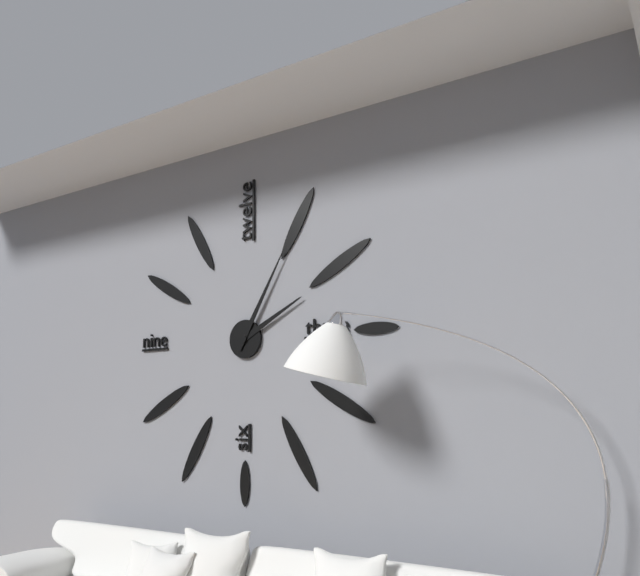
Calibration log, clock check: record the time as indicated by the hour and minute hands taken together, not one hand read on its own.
2:05
